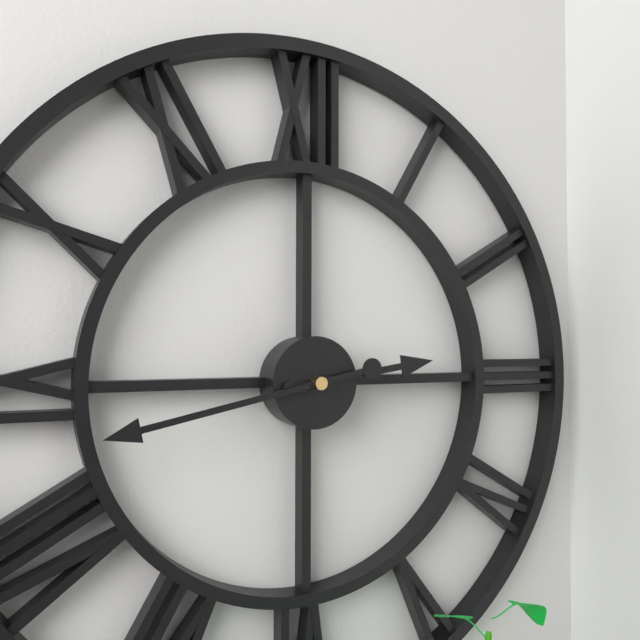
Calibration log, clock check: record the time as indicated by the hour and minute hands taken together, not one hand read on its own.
2:43
